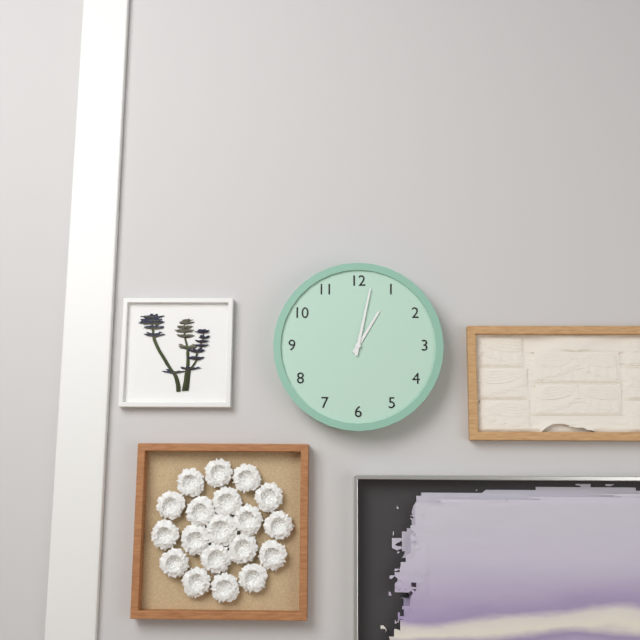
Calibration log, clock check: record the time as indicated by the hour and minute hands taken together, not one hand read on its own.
1:02
